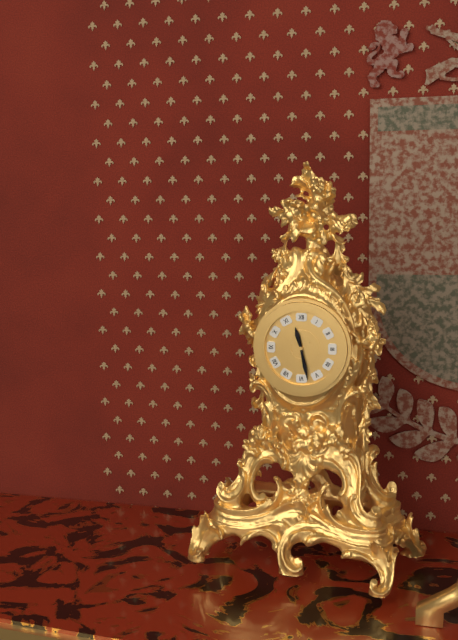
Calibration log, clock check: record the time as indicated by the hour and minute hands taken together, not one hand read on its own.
11:28
